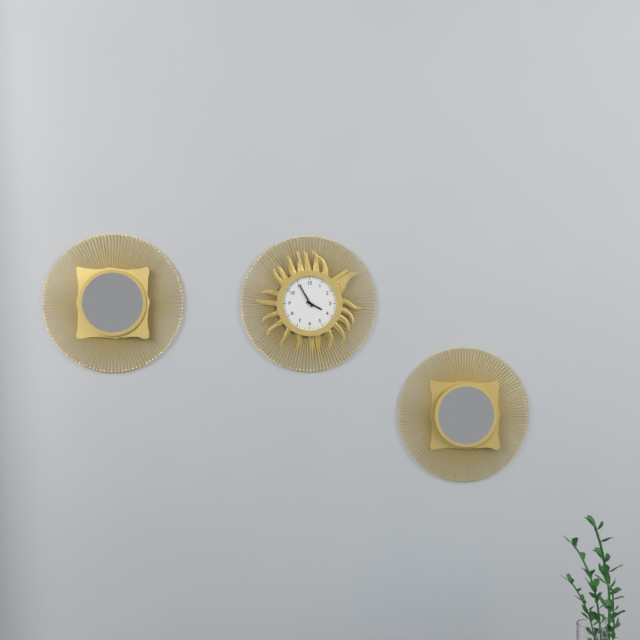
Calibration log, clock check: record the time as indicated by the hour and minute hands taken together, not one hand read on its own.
3:55
